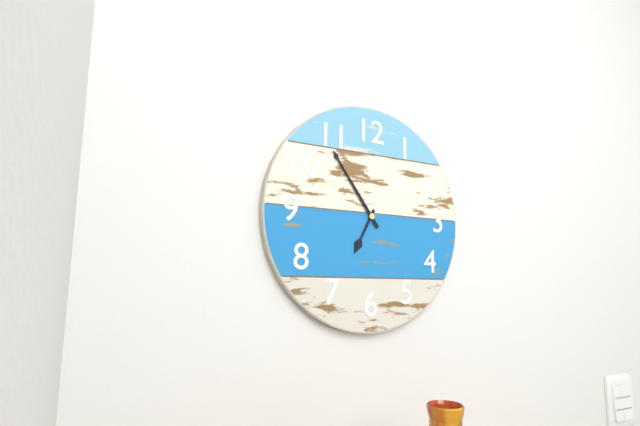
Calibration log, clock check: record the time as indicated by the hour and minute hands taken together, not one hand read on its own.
6:54
